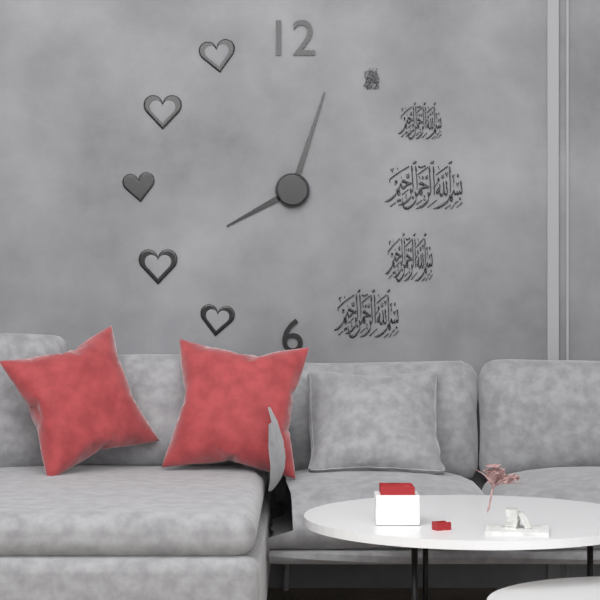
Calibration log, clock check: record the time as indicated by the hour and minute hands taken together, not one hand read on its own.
8:03
